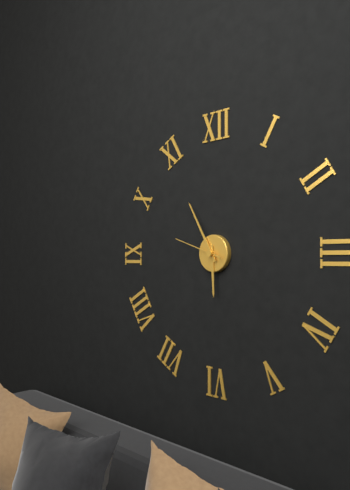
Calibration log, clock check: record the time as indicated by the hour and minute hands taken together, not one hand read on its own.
5:55
